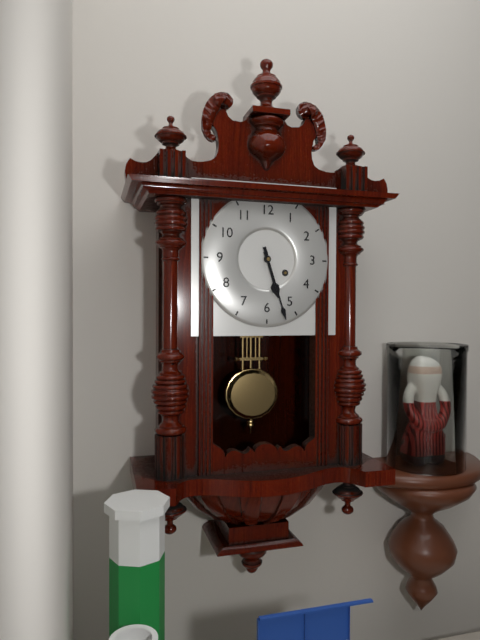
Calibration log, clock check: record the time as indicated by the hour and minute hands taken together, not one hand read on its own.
5:27
